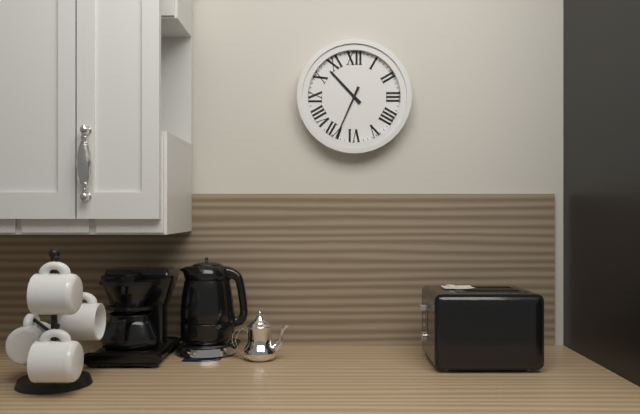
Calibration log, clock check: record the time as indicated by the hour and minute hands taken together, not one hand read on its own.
10:34
